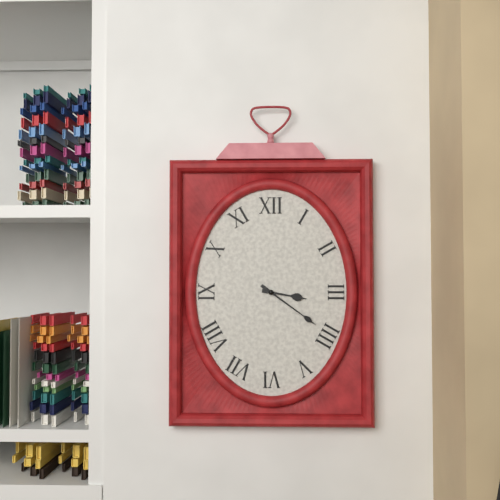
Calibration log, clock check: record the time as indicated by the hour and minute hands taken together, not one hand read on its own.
3:21
